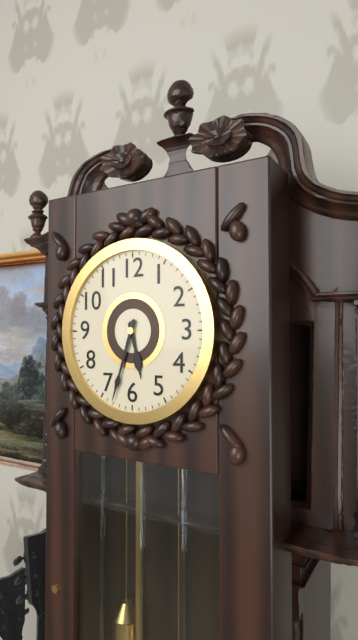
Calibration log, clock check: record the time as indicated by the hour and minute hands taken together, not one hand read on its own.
5:33
